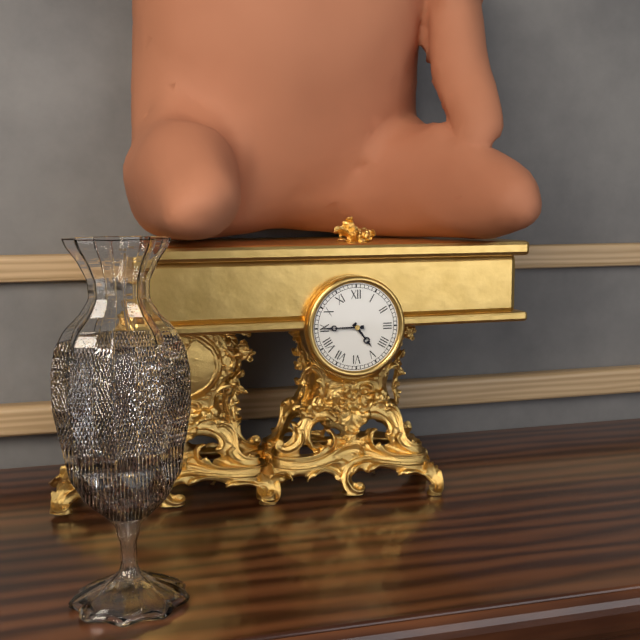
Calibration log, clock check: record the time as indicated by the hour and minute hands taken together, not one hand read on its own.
4:45
